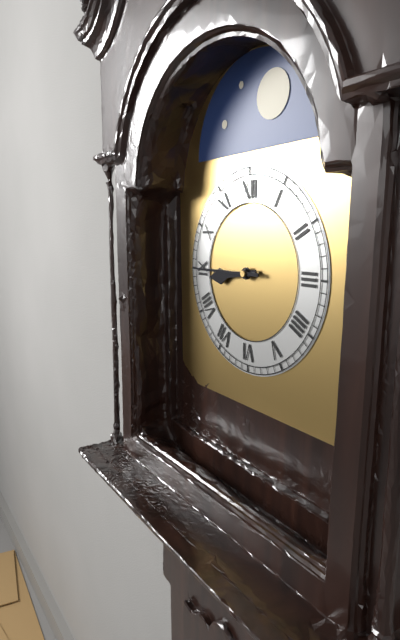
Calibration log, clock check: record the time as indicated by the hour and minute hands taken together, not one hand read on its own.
8:45
